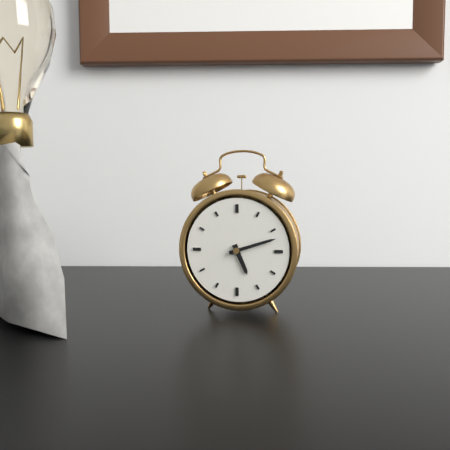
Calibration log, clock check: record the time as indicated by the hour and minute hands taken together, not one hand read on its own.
5:12
